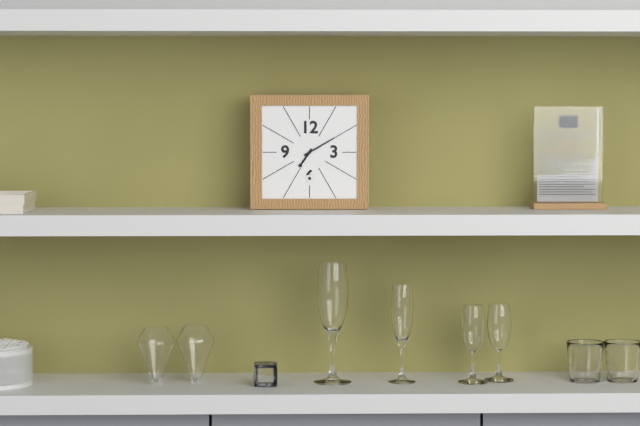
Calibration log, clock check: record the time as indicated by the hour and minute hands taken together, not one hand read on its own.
7:10
